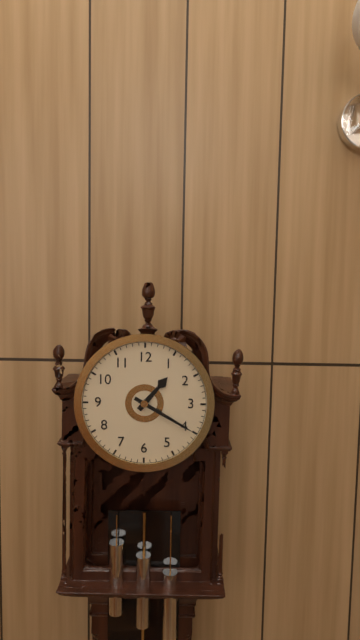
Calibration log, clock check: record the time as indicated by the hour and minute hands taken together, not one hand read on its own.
1:20
